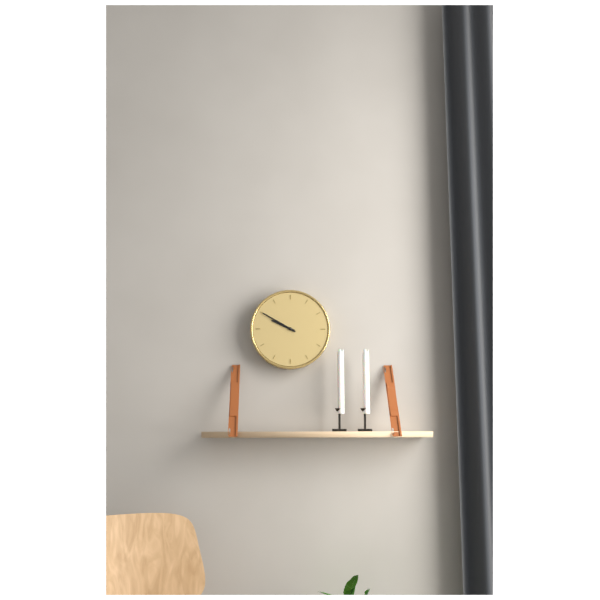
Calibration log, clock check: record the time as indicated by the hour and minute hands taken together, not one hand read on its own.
9:50
